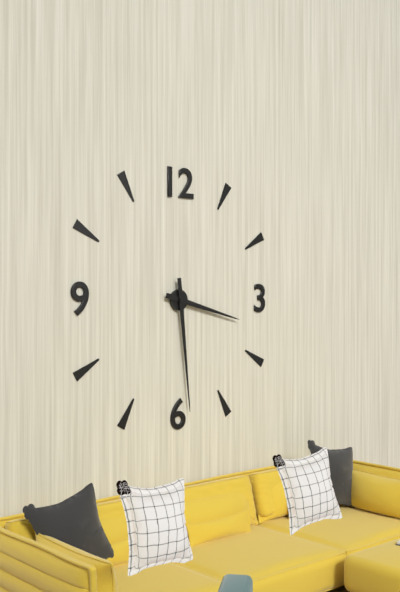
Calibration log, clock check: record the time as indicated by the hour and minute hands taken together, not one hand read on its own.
3:29
